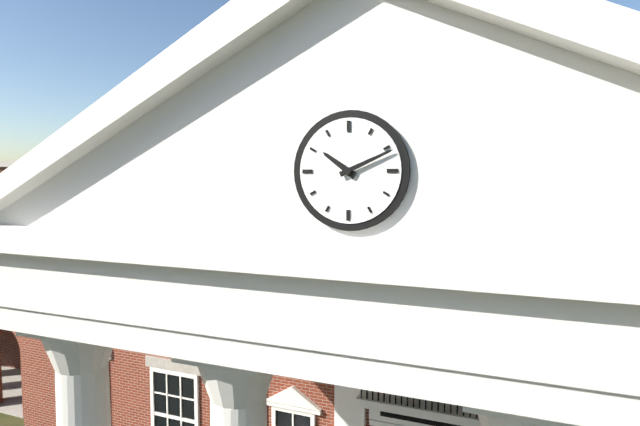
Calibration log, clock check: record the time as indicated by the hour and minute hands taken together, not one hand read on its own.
10:11
